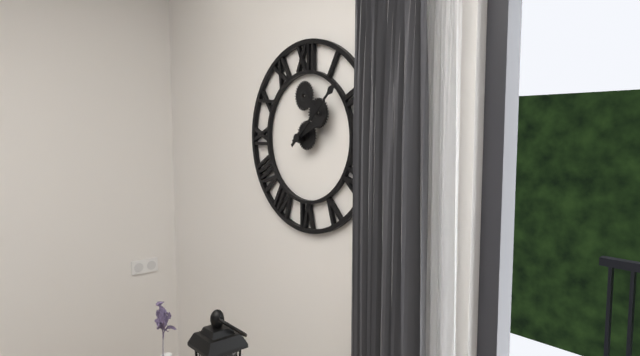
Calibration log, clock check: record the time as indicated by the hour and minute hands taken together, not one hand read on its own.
2:08
